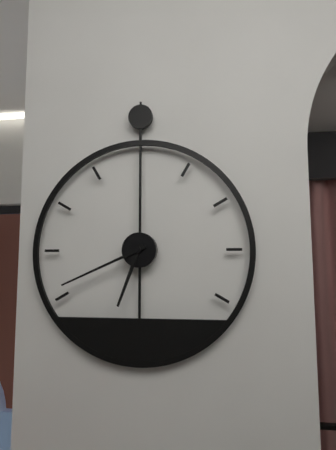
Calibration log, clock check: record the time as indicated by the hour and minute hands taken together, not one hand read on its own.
6:41
